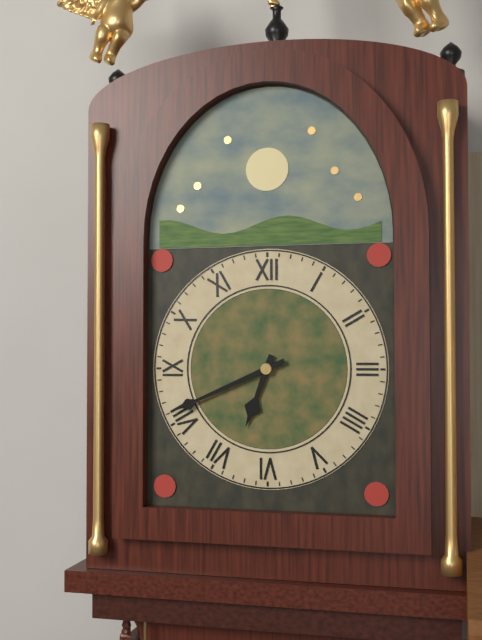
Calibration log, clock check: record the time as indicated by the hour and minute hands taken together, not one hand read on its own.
6:41
